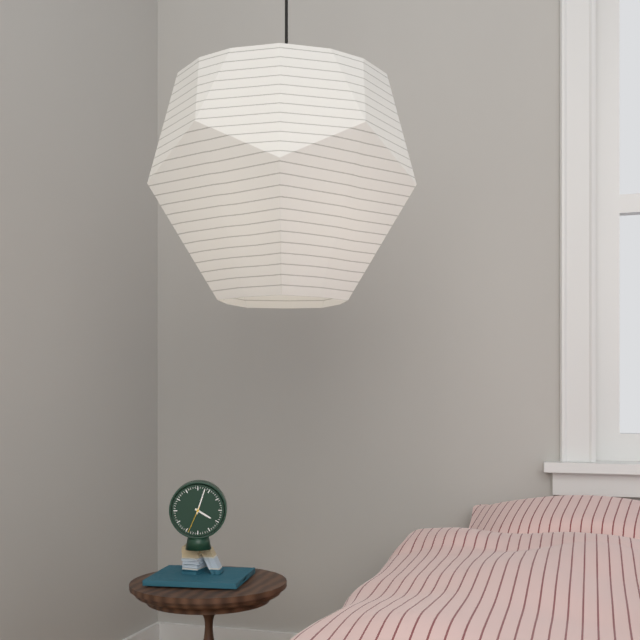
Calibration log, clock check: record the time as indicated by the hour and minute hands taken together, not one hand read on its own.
4:03
